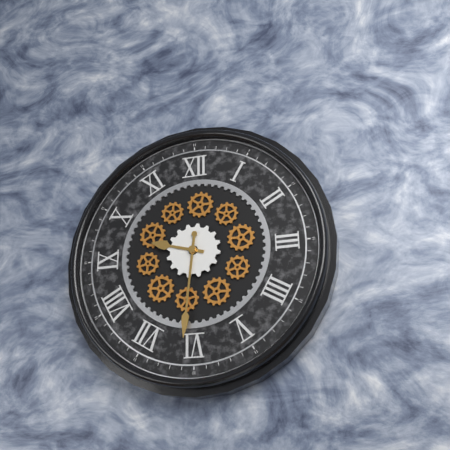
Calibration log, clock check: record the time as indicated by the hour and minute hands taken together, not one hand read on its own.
9:31
